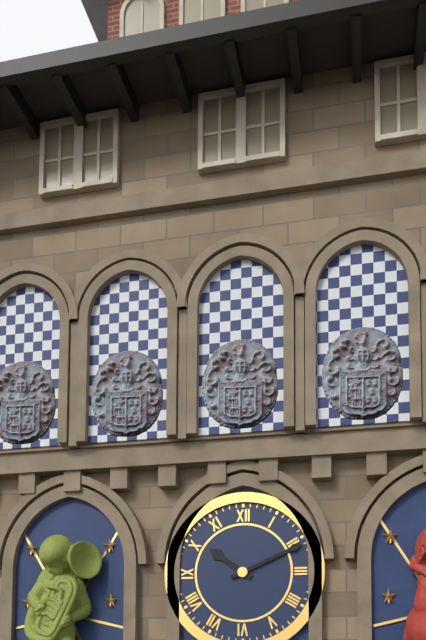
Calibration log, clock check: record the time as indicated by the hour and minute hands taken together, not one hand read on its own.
10:11
